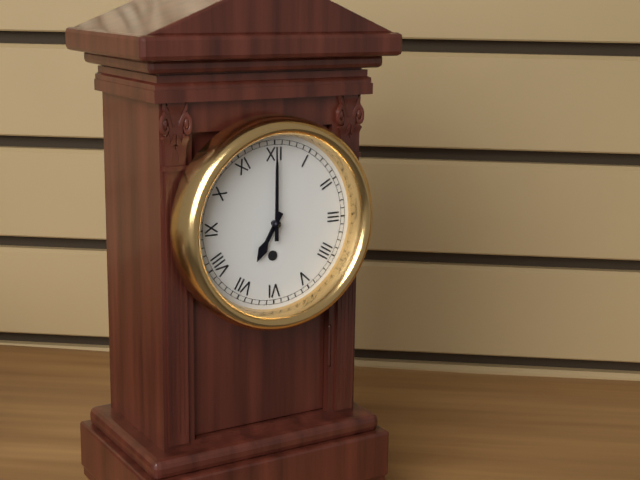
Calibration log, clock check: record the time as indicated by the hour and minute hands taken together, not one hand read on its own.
7:00
